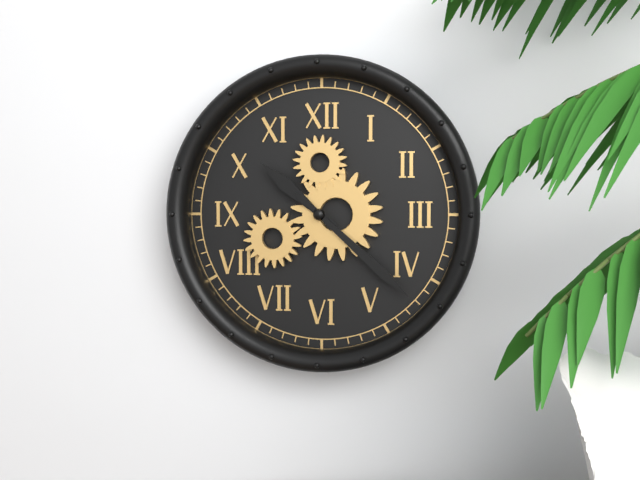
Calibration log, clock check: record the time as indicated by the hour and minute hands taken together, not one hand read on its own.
10:22
